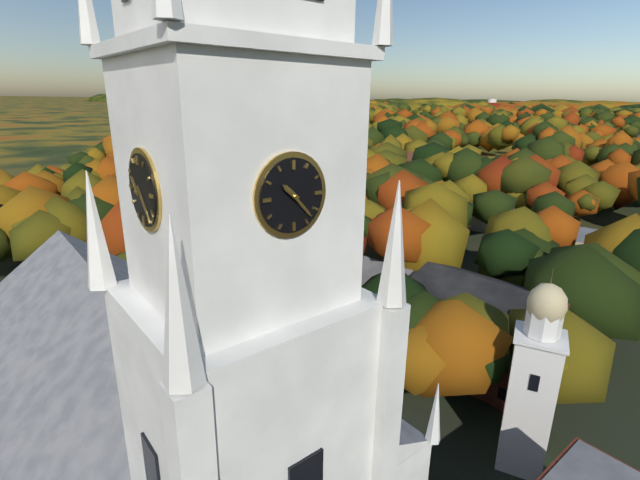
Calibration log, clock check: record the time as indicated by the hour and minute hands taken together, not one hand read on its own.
10:23
